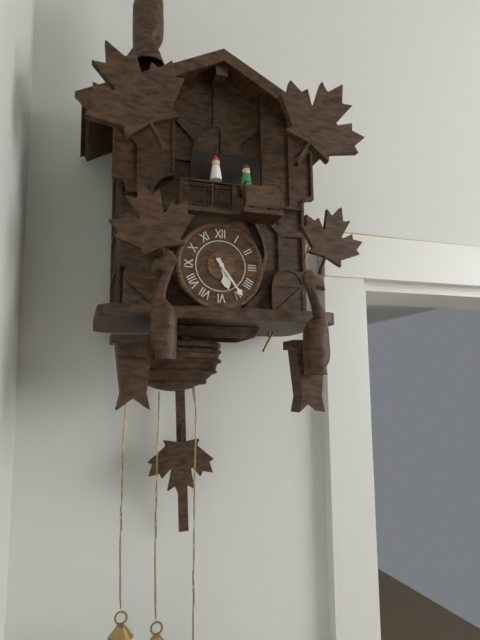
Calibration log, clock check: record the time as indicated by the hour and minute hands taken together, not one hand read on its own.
5:24
